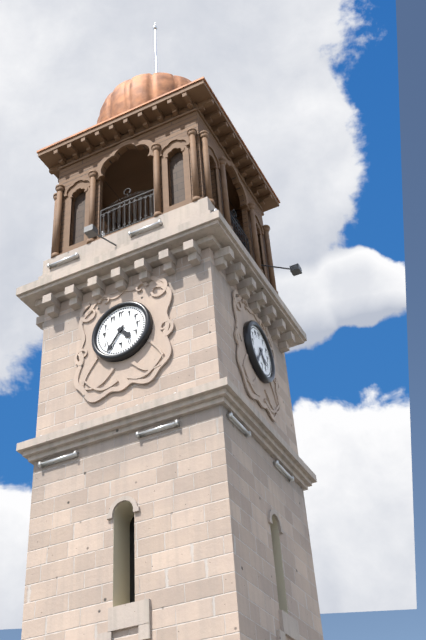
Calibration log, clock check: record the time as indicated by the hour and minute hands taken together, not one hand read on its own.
4:36
